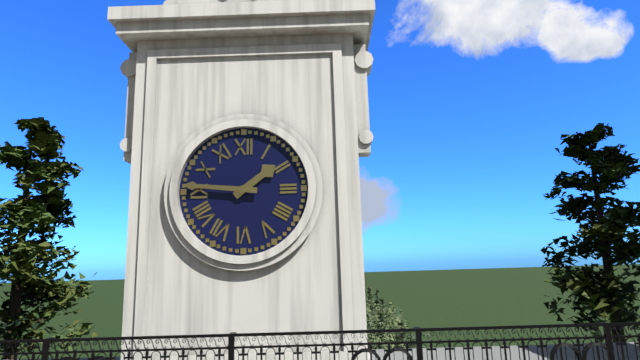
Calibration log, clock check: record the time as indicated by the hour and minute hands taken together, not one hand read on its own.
1:46
